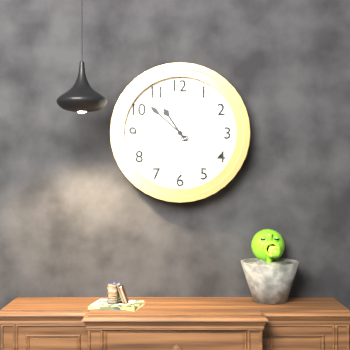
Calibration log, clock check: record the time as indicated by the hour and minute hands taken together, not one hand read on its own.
10:52
